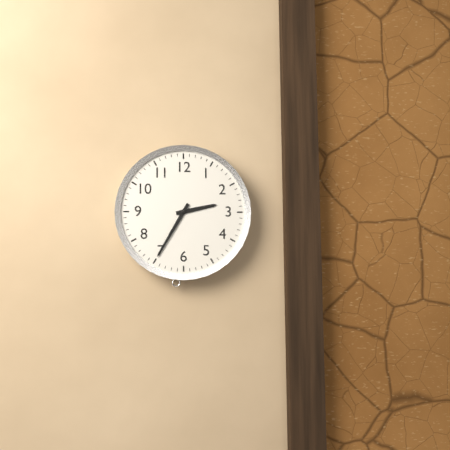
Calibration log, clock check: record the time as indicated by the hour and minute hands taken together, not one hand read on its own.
2:35
